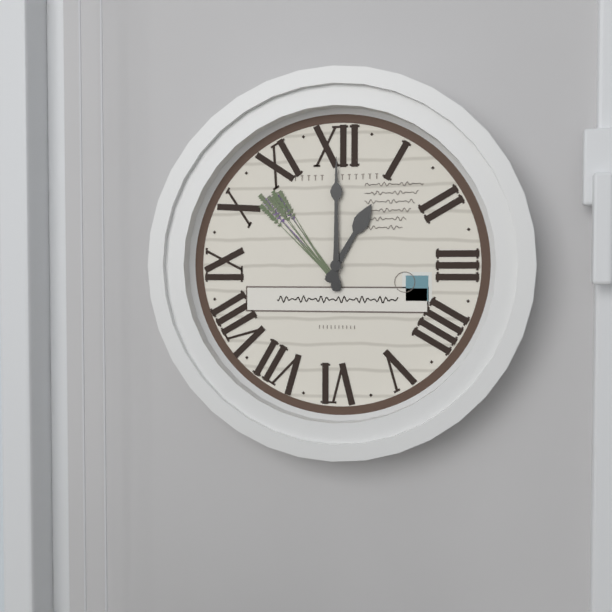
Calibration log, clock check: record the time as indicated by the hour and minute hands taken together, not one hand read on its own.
1:00
